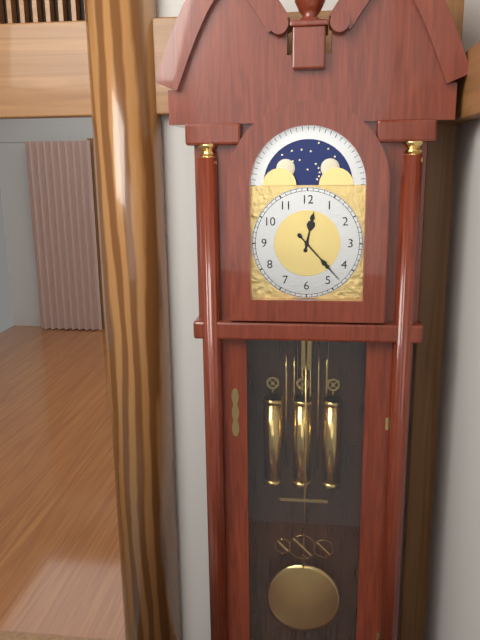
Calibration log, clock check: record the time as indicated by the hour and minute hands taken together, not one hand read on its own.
12:23
